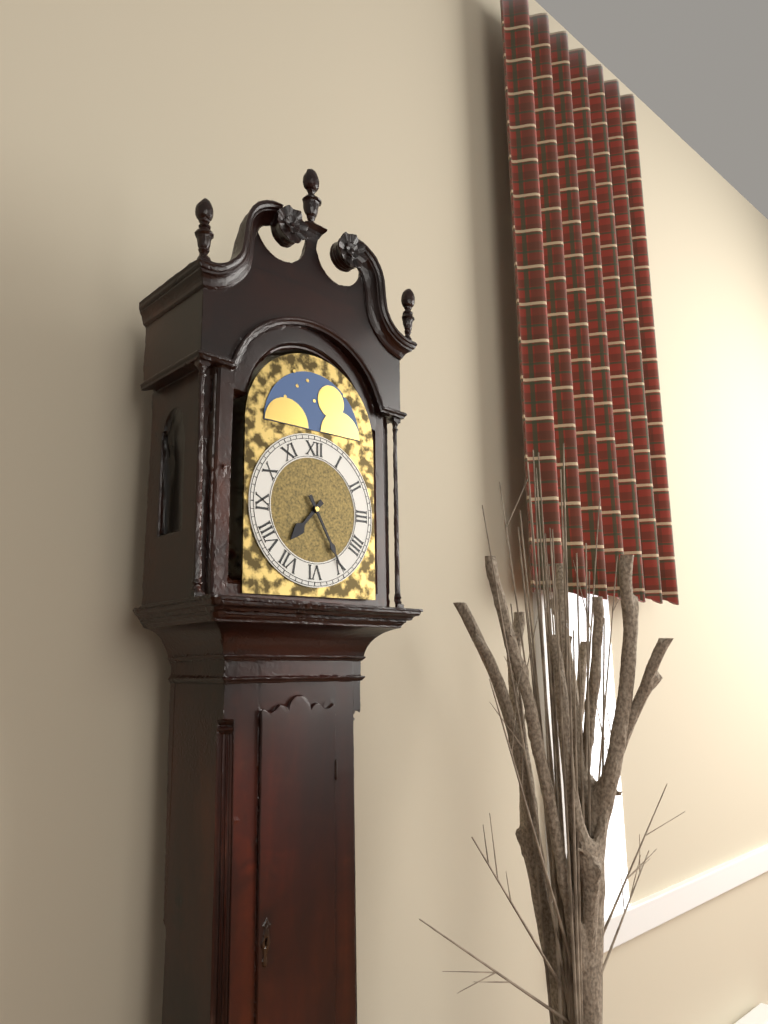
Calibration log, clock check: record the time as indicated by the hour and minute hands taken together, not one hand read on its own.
7:25
